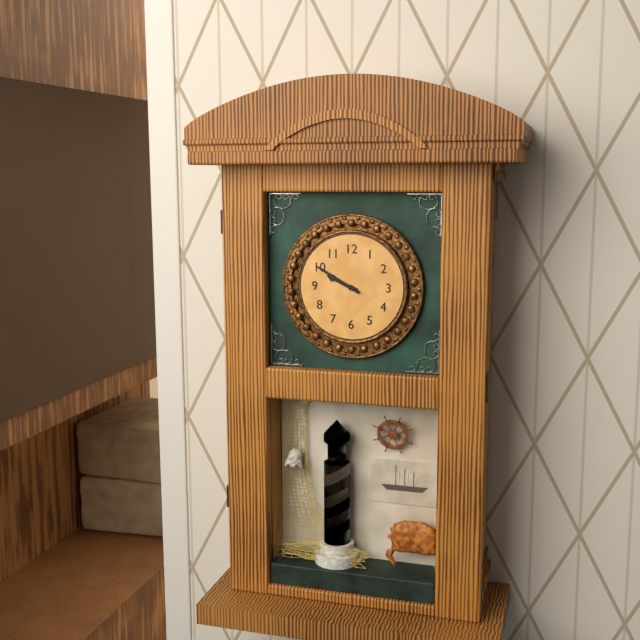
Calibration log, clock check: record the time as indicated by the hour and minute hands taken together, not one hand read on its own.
9:50
